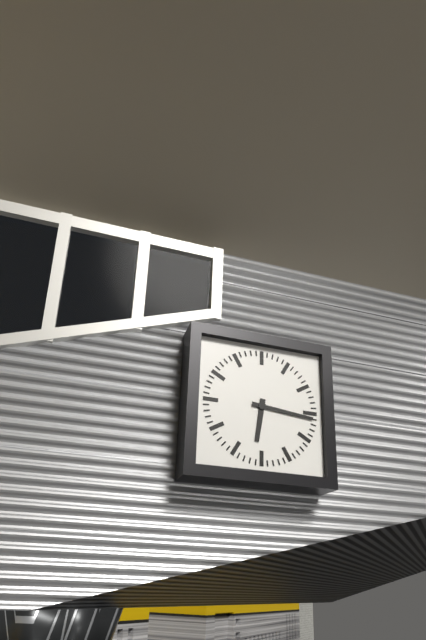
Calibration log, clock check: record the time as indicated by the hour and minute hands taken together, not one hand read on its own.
6:16
